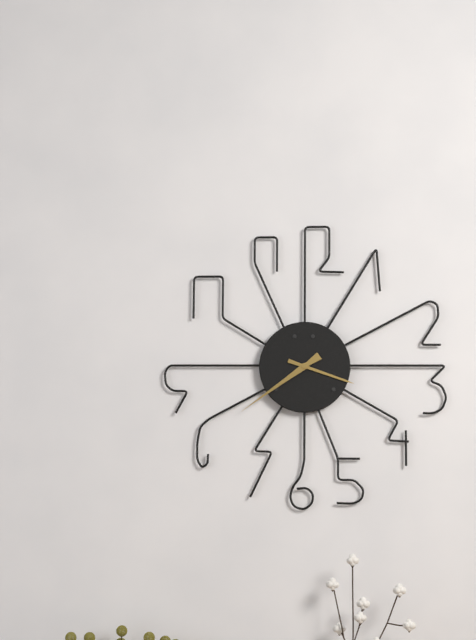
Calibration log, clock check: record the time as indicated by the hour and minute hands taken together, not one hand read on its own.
3:39
